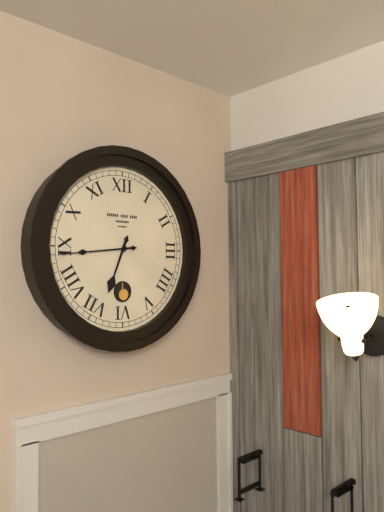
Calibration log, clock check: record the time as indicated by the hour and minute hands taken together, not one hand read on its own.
6:44
